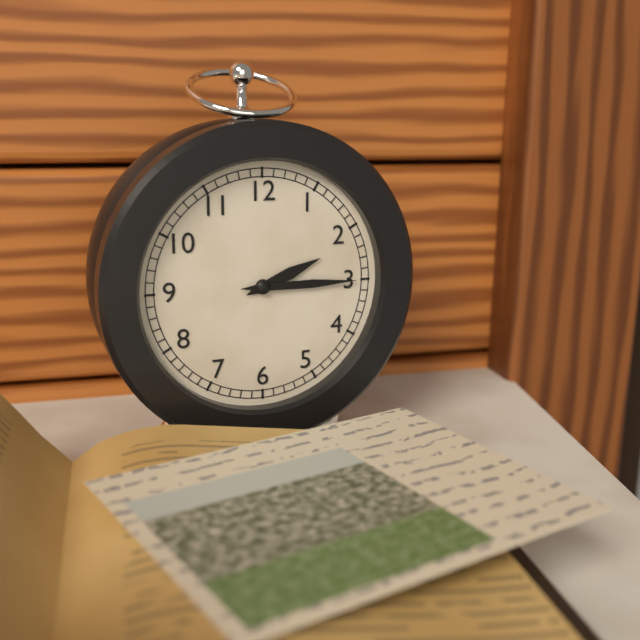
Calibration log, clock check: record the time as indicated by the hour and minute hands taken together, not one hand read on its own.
2:15
